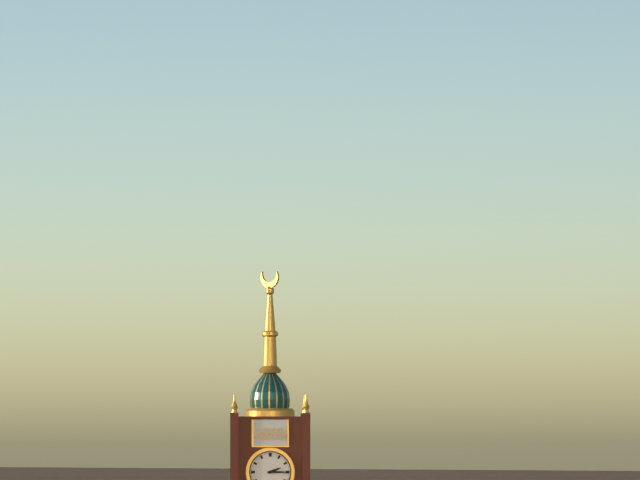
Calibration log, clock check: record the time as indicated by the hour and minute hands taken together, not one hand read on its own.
2:15
